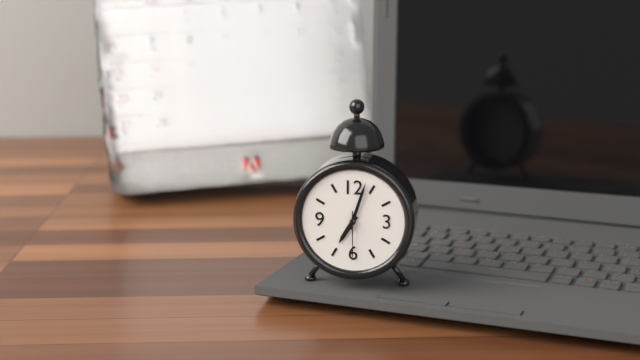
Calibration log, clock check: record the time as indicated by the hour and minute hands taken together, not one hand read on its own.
7:03
